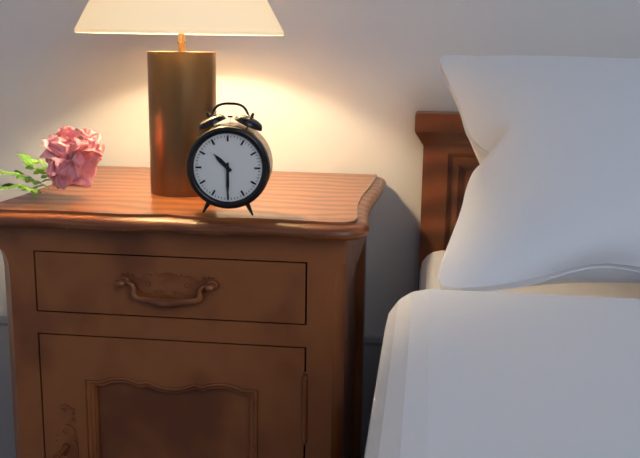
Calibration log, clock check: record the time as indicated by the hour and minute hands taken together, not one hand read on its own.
10:30
